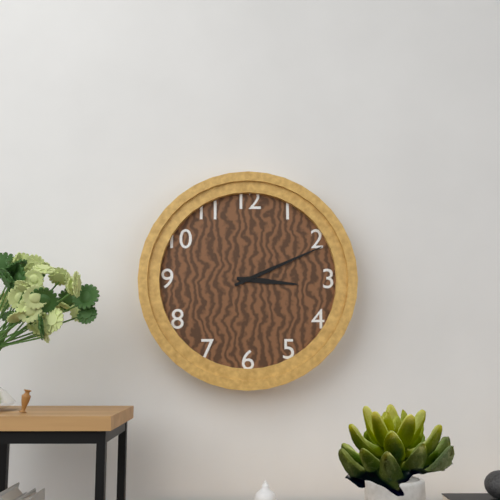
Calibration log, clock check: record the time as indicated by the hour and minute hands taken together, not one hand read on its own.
3:11
